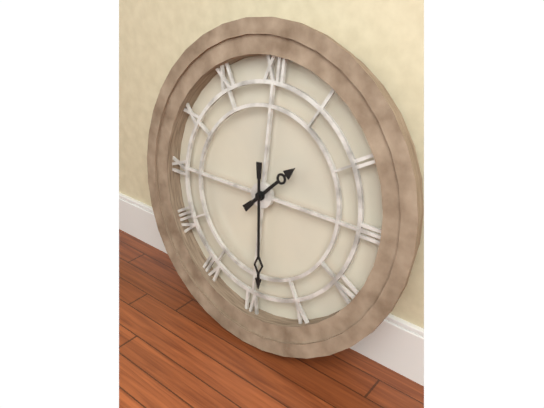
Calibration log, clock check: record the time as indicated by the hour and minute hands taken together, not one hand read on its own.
1:29
